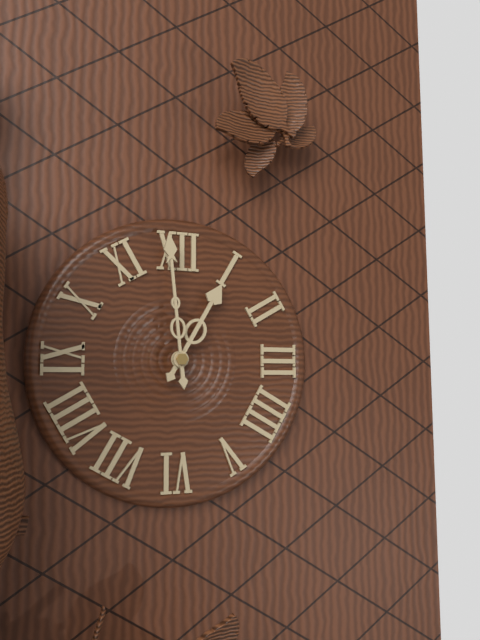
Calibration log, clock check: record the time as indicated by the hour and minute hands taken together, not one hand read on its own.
12:59
